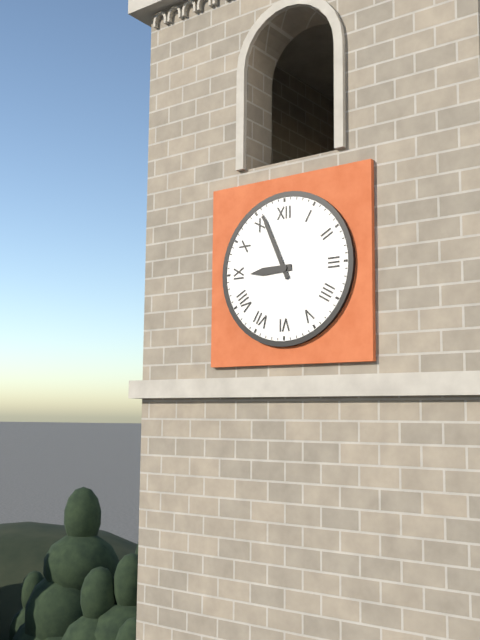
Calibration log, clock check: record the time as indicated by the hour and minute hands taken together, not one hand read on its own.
8:56
